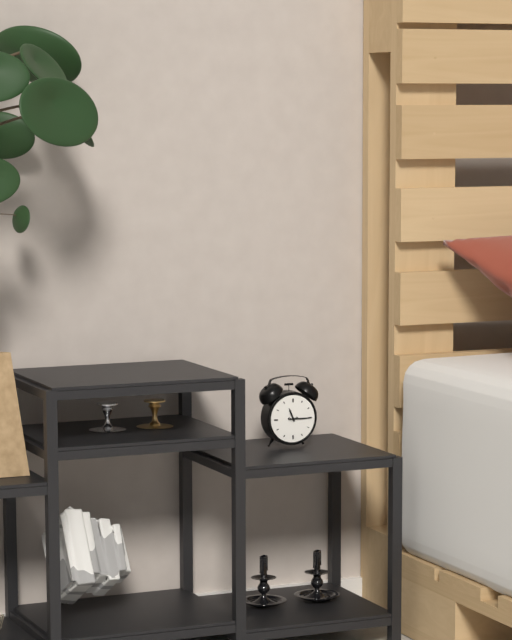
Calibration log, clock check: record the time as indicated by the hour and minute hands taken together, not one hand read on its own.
11:15
